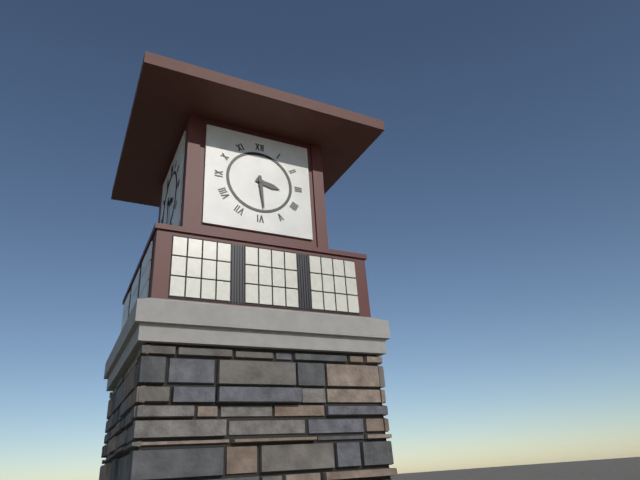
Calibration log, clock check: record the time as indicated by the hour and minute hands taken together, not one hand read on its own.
3:29
